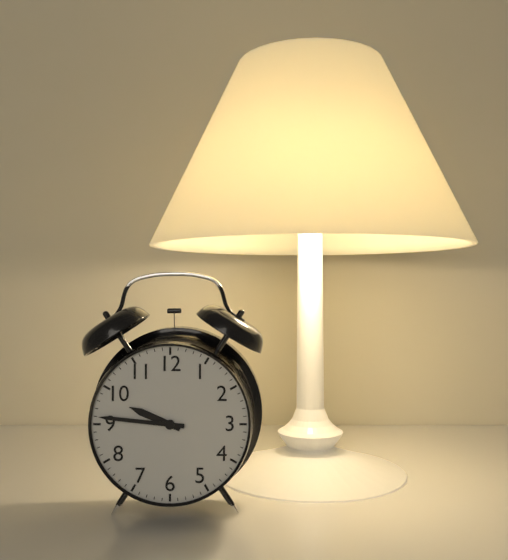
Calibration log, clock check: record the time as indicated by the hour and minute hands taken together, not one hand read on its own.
9:46
